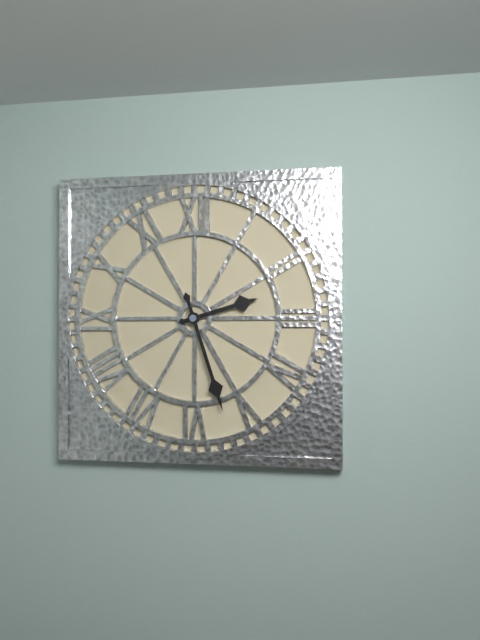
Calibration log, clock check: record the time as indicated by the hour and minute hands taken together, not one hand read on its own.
2:27
